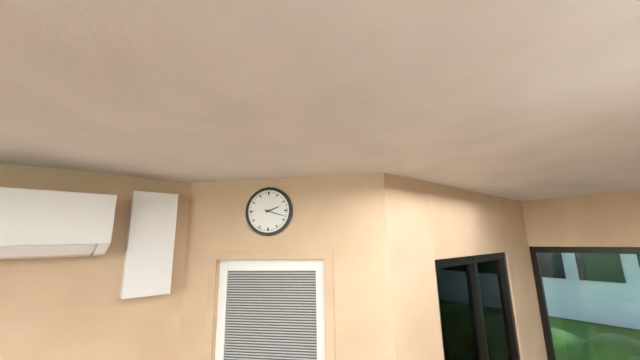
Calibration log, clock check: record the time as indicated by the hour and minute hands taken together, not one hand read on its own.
2:18
